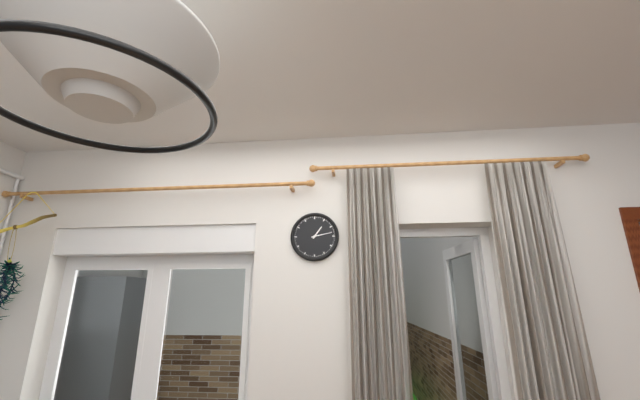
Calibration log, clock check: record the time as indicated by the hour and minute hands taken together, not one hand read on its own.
1:13
